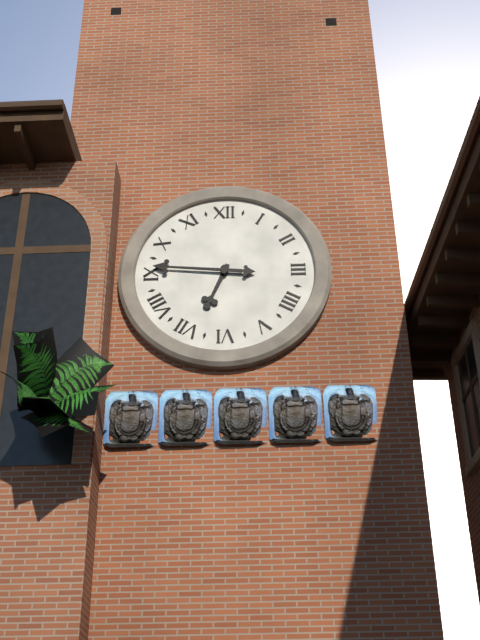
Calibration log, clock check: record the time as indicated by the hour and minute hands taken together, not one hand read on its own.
6:46
